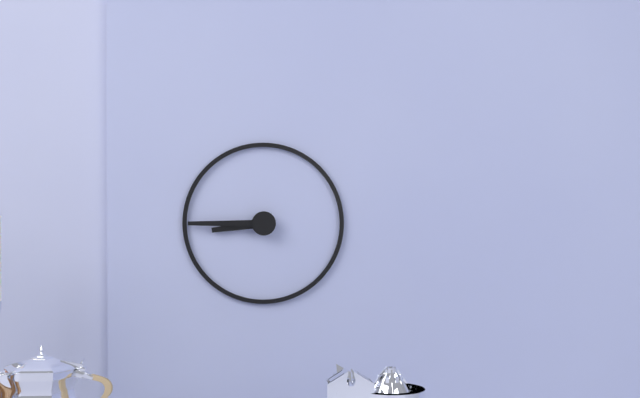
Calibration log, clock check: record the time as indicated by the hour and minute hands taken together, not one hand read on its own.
8:45
